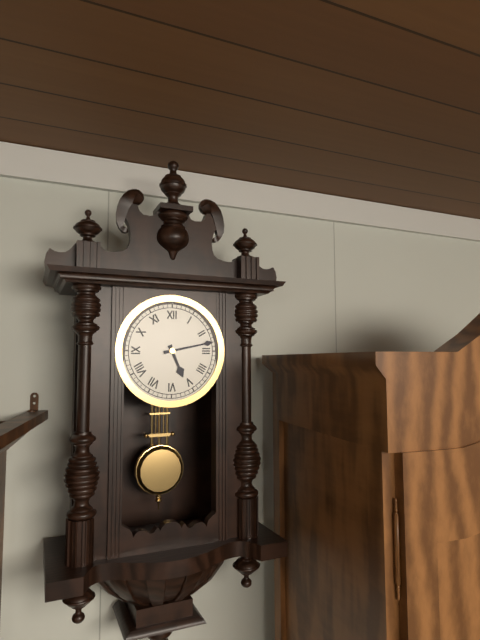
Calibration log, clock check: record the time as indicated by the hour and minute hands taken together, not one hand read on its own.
5:13
